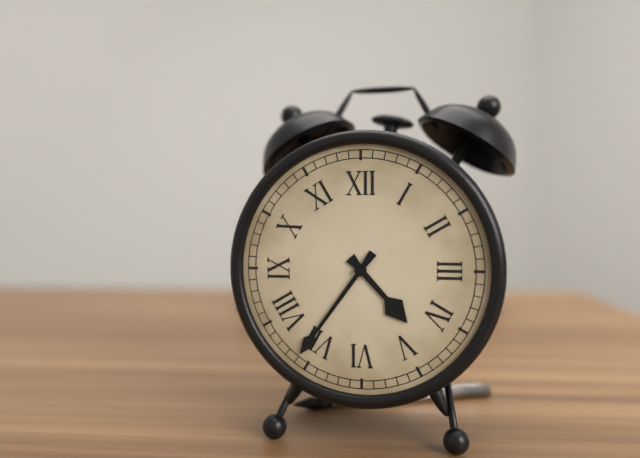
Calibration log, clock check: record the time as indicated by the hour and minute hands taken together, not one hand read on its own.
4:36
